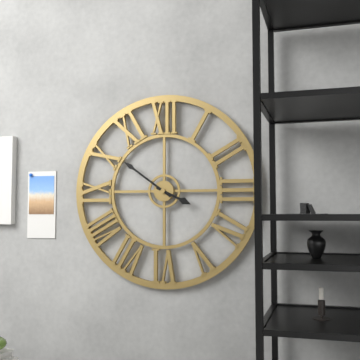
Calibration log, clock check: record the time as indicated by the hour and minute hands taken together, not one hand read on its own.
3:51
